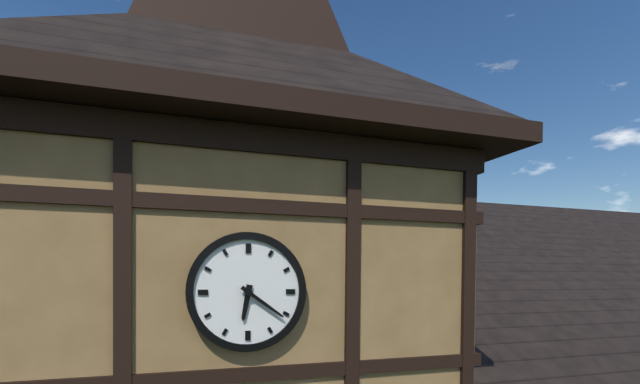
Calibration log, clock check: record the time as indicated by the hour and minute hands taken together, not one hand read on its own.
6:21
